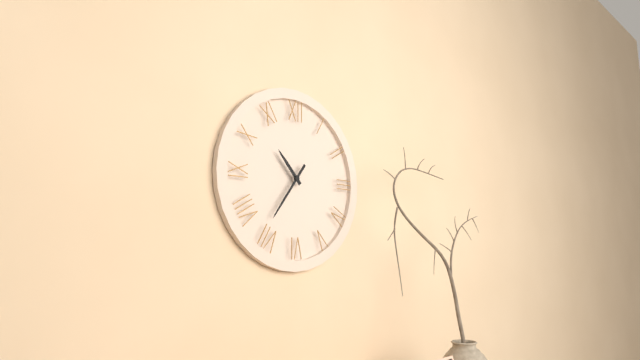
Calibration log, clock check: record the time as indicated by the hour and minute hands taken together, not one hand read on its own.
10:36
